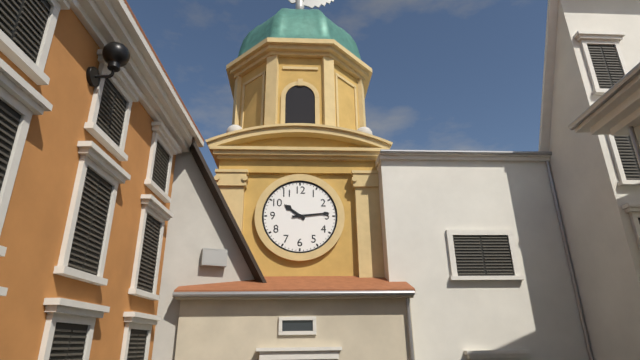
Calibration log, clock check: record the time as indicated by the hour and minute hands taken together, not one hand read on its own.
10:14
